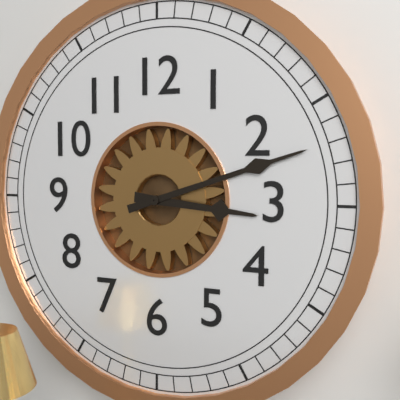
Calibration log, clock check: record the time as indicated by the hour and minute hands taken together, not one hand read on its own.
3:12
